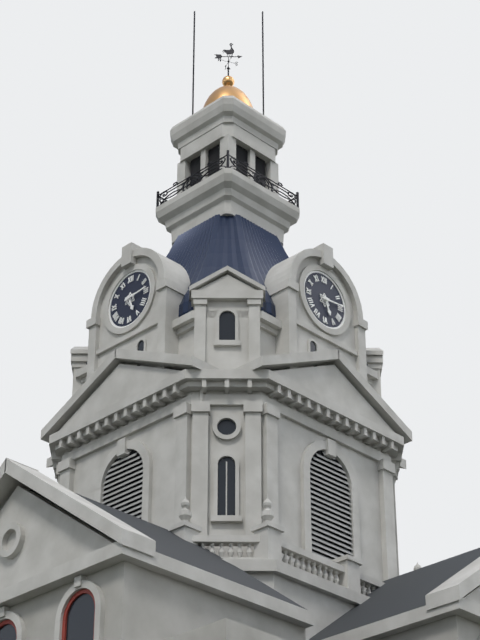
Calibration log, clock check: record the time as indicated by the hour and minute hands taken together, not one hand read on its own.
5:14
